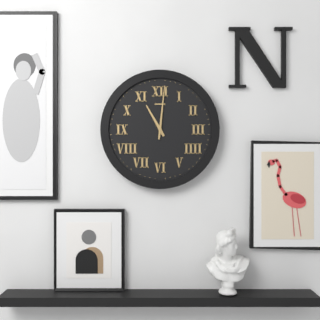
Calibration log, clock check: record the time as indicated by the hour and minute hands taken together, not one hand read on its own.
11:01
